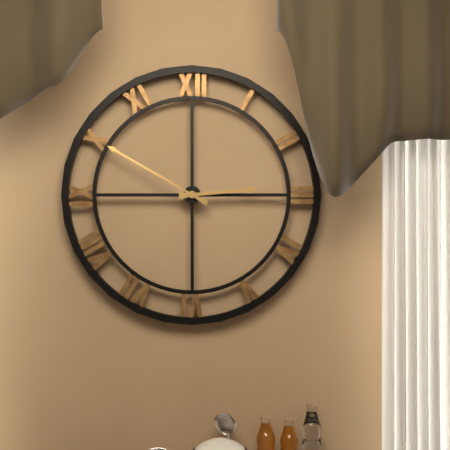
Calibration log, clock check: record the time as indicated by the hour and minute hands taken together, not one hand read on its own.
2:50
